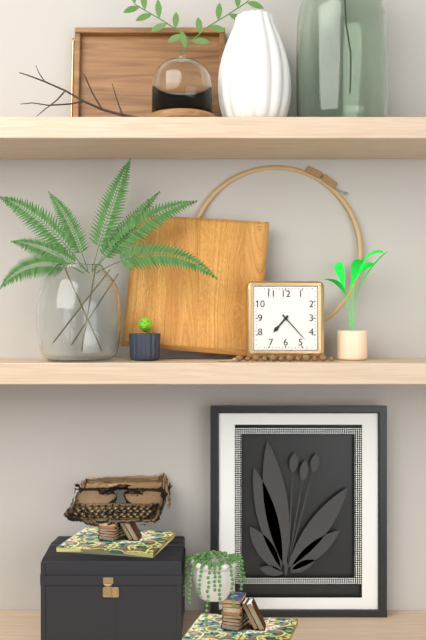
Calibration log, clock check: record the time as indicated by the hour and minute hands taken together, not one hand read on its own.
7:23
